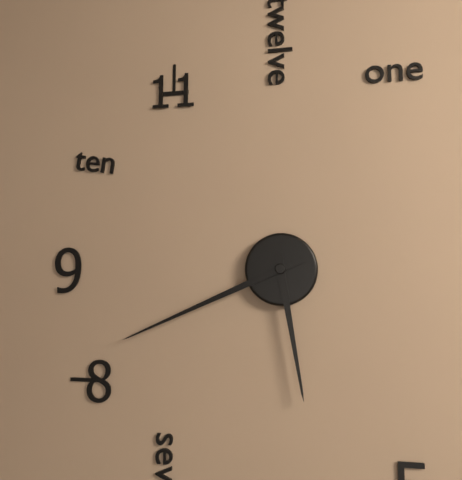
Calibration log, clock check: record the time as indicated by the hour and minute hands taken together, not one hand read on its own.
5:41
